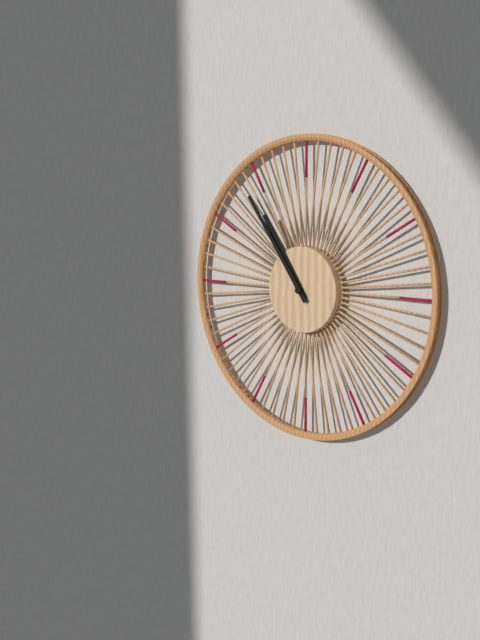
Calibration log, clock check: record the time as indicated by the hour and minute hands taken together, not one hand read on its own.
10:54
